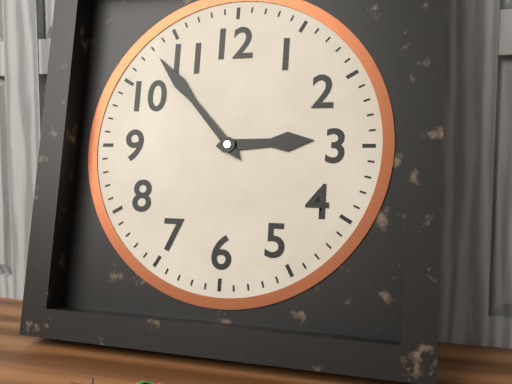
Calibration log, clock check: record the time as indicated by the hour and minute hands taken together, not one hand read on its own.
2:53
